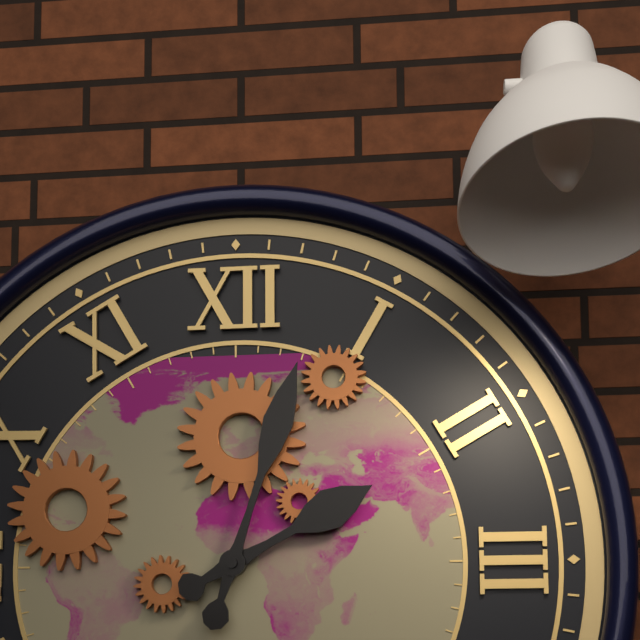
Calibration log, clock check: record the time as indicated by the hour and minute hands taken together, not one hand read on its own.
2:03
